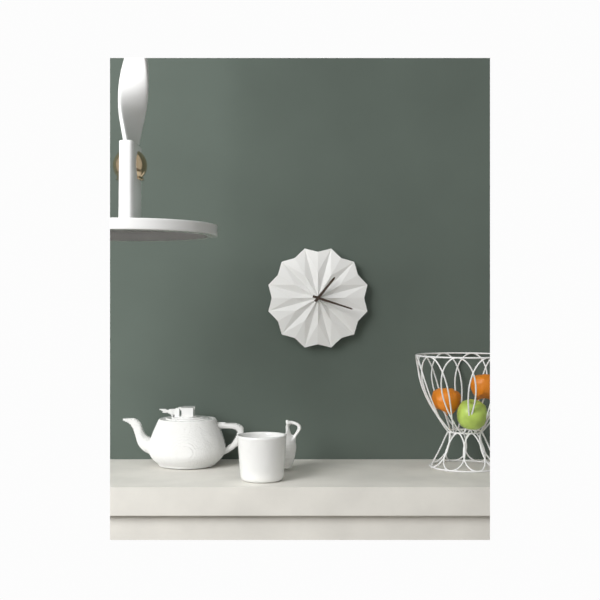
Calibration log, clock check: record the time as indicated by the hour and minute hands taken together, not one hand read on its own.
1:18
